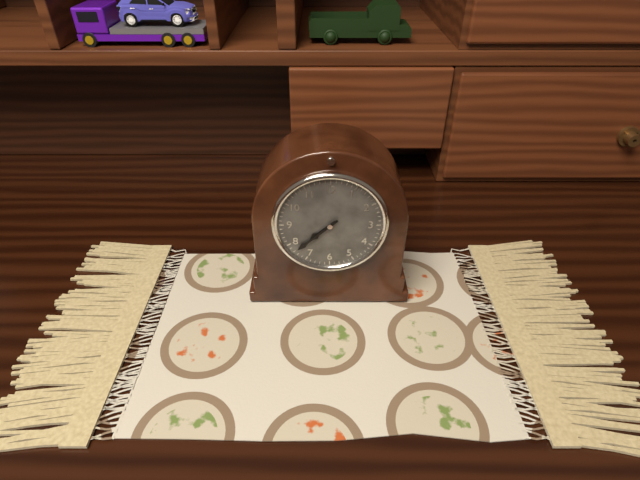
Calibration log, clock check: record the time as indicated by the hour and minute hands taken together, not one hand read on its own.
7:38
